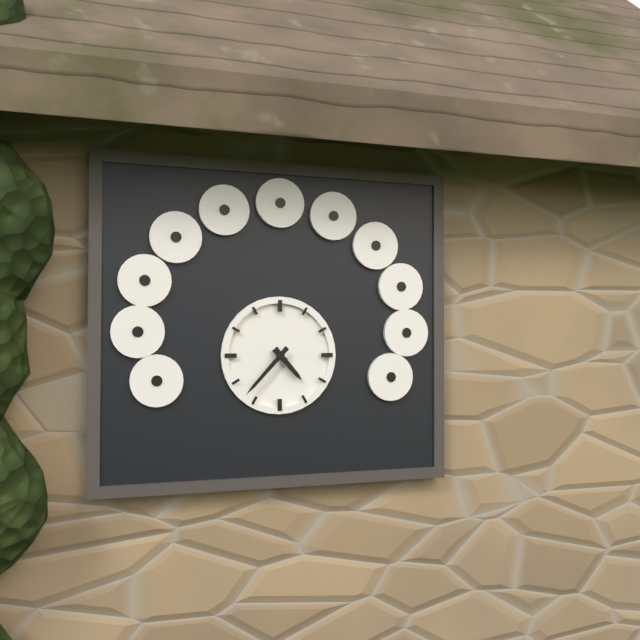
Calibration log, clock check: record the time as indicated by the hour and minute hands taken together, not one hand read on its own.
4:37
